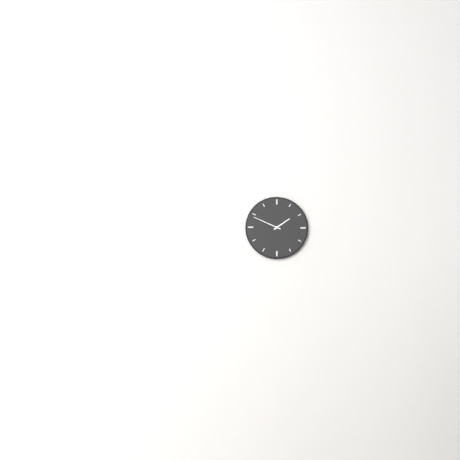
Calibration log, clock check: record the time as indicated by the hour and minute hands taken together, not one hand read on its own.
1:49
